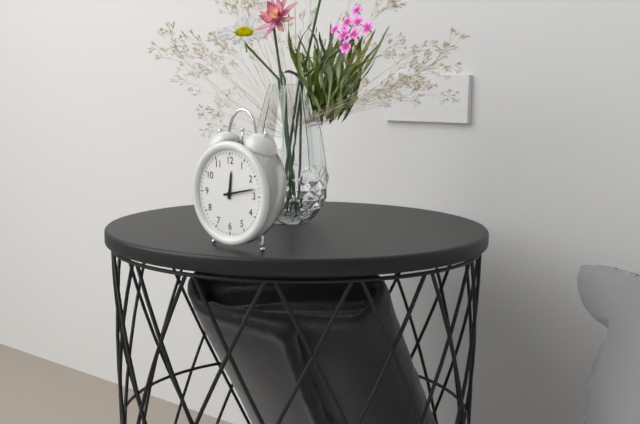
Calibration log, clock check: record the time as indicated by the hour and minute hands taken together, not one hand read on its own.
12:13
